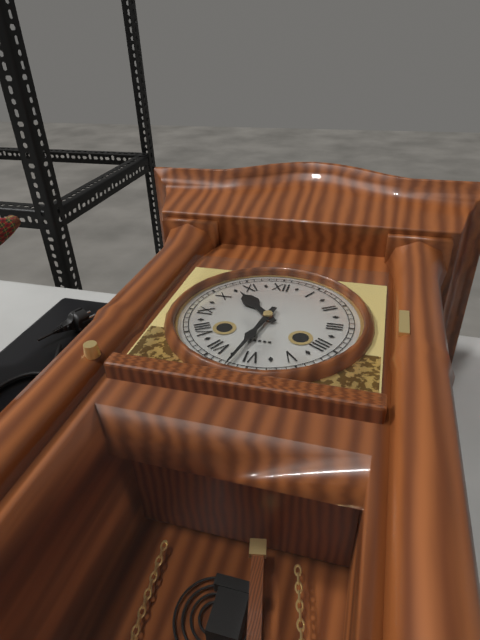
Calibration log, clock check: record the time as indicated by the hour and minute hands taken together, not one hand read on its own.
10:32
